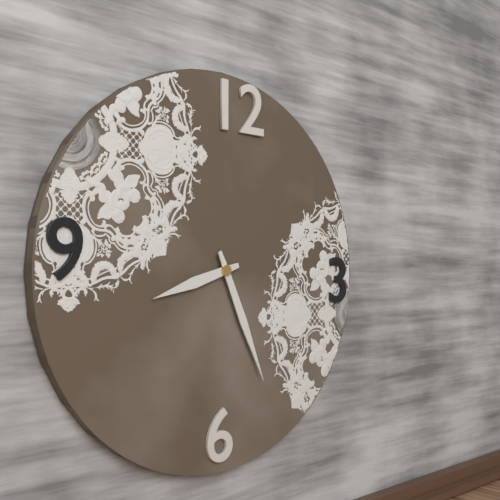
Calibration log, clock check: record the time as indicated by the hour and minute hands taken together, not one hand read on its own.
8:26
